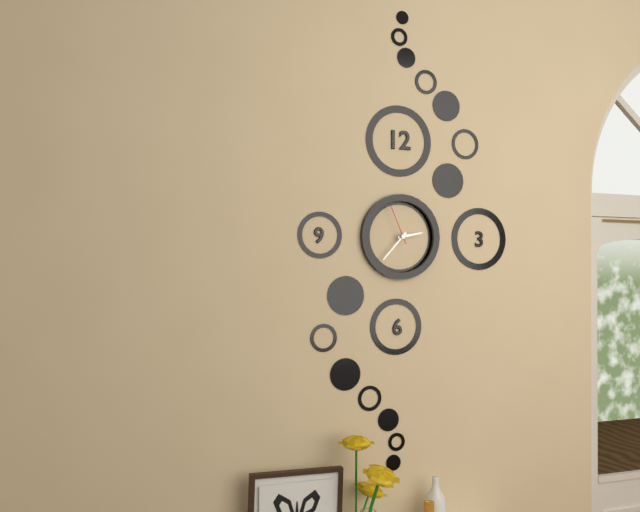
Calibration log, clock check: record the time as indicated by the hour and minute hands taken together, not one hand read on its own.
2:37
